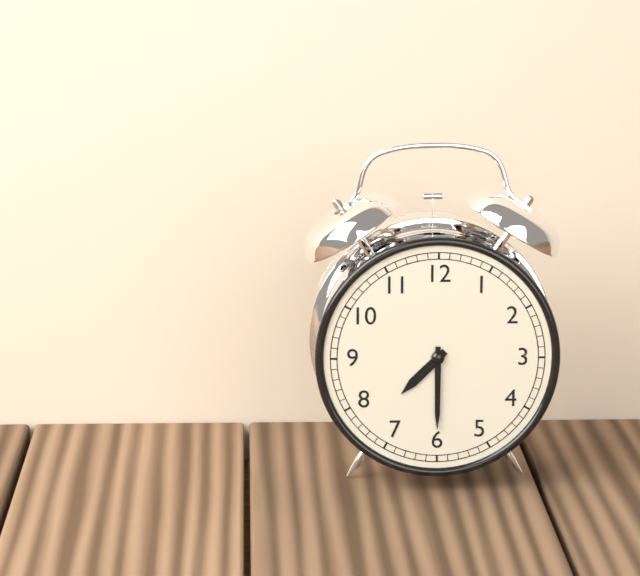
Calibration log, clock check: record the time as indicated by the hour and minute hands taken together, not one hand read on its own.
7:30
